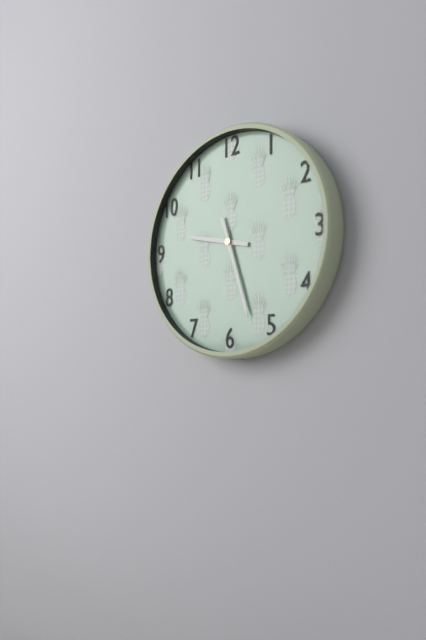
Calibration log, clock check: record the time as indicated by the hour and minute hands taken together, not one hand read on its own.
9:27
